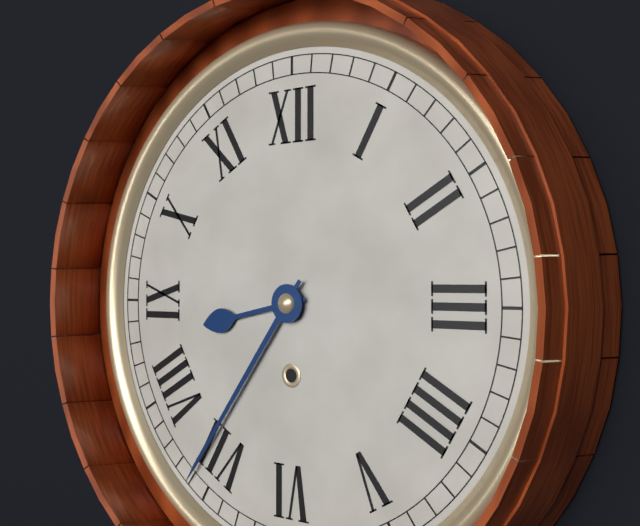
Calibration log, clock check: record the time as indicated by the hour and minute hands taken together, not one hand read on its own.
8:36
